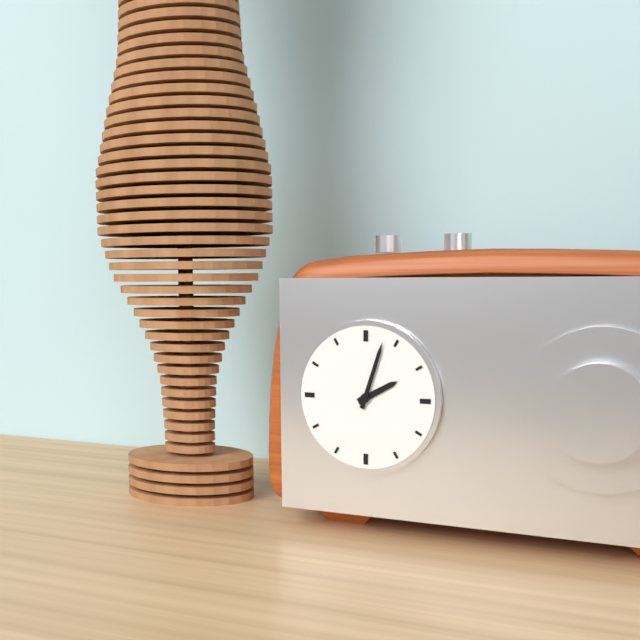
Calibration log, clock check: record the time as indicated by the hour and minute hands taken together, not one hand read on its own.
2:03
